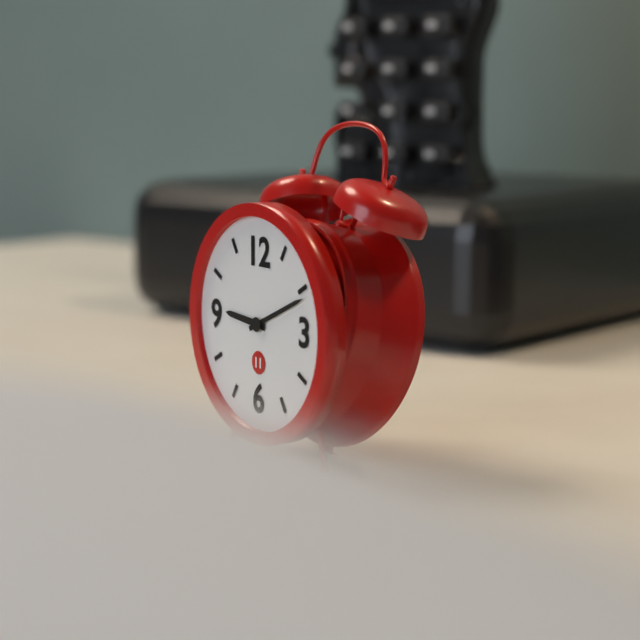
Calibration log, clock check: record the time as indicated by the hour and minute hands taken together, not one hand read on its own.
9:11
